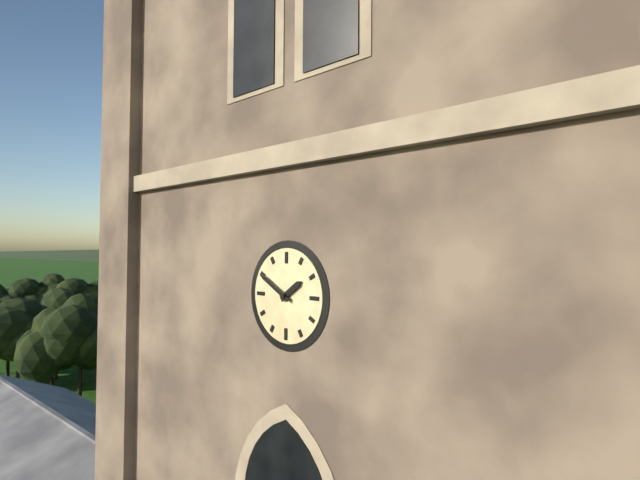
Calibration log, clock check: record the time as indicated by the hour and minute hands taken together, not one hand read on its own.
1:50
